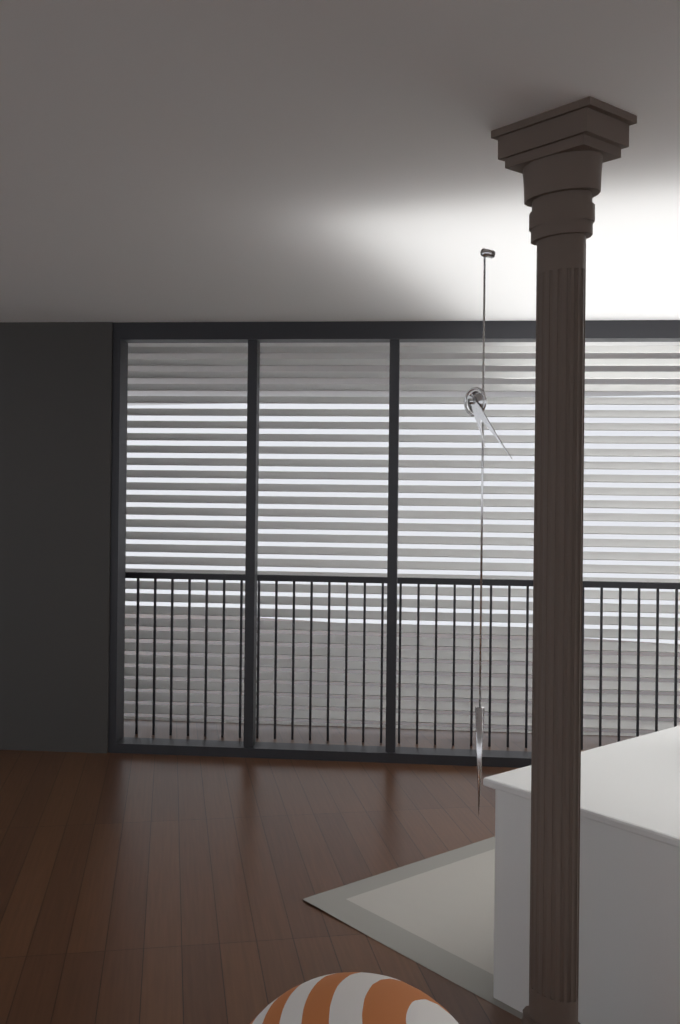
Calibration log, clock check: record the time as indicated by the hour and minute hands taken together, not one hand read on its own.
5:23
